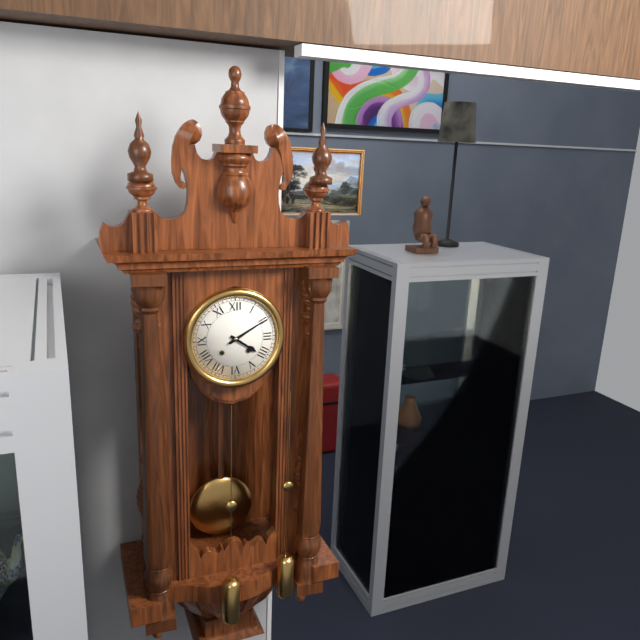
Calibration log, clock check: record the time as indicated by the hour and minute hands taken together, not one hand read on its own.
4:10
